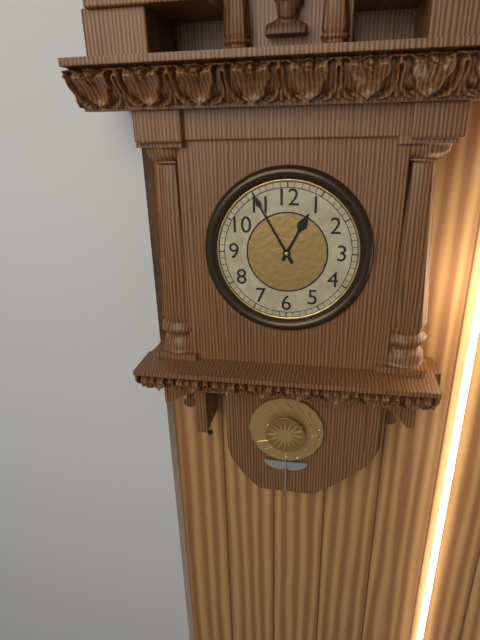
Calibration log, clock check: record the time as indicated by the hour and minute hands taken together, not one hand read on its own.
12:55
